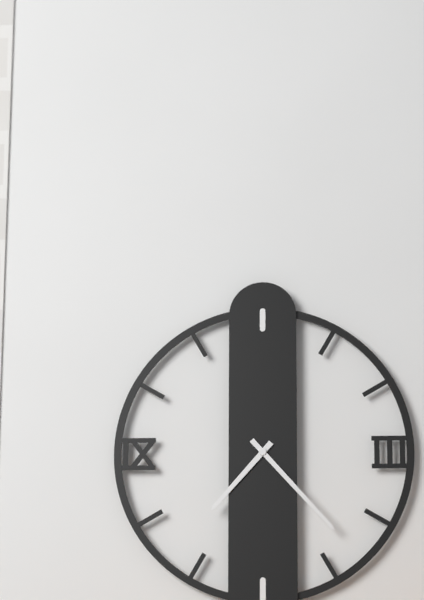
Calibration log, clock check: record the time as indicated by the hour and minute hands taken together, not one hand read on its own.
7:23
